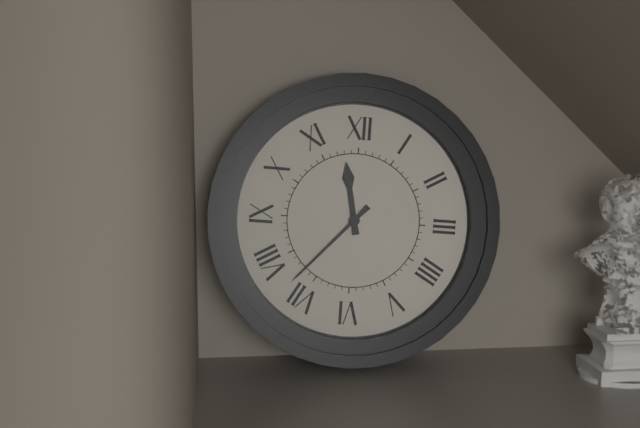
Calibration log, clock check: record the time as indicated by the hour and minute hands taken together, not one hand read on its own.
11:37
